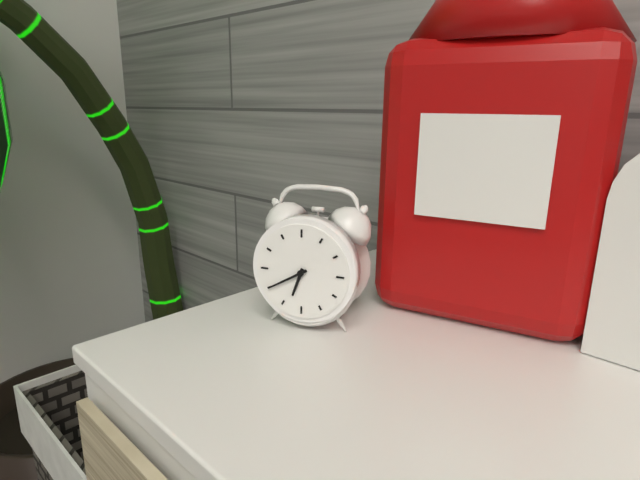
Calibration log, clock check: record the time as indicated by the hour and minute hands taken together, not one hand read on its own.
6:40
